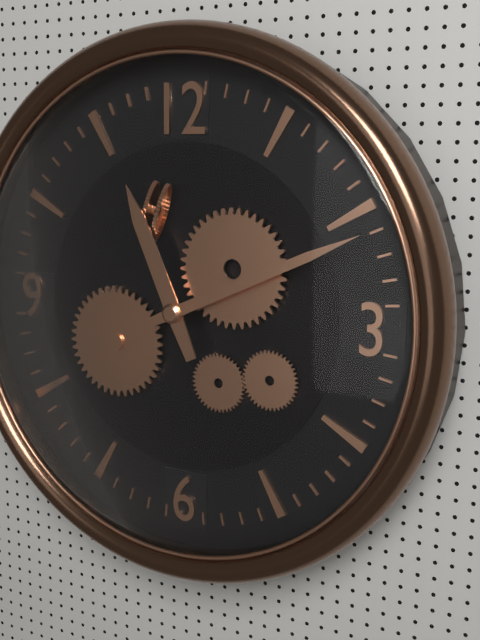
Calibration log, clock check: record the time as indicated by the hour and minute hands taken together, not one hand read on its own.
11:11
